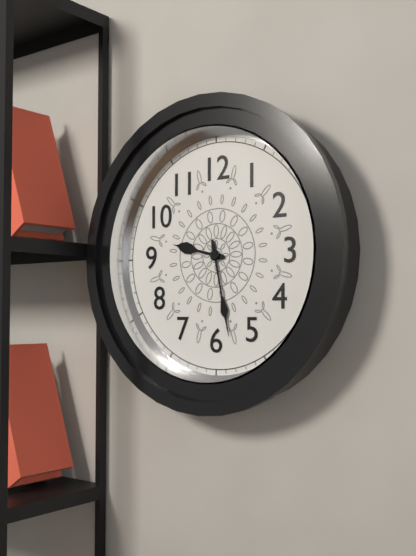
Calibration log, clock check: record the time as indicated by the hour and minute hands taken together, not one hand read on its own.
9:28
